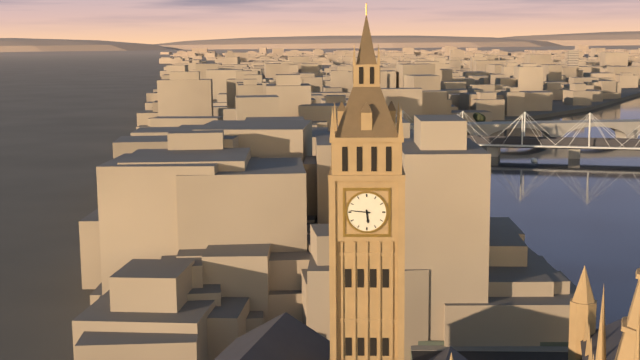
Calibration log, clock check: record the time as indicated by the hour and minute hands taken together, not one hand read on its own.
5:46
